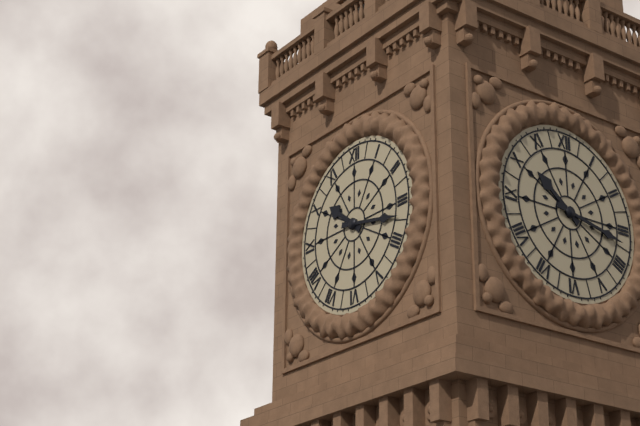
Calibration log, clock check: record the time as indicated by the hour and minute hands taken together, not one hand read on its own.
10:17
